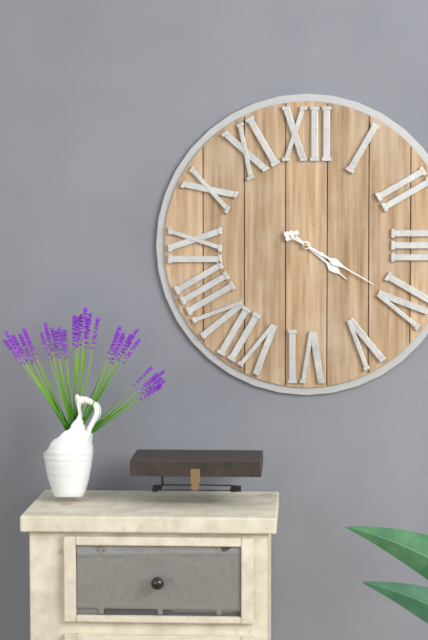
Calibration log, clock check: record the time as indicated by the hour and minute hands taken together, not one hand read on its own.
4:20
